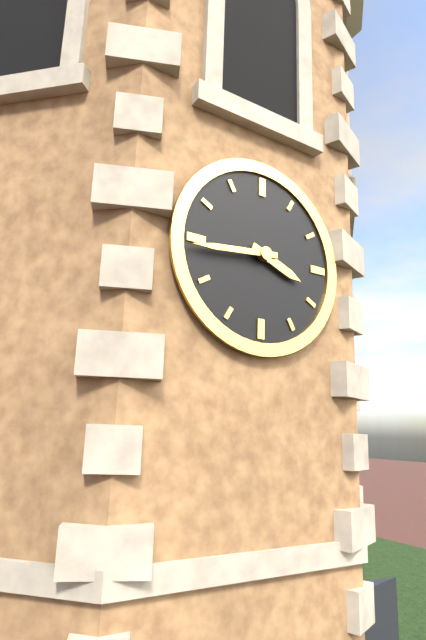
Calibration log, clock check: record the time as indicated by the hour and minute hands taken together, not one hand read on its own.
3:44
